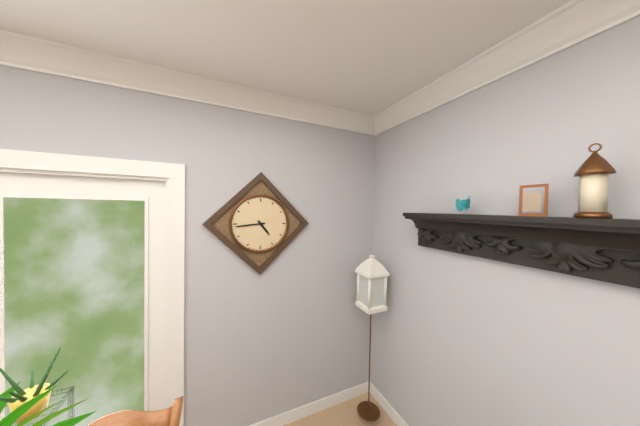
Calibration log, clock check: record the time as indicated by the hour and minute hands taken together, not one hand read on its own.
4:44
